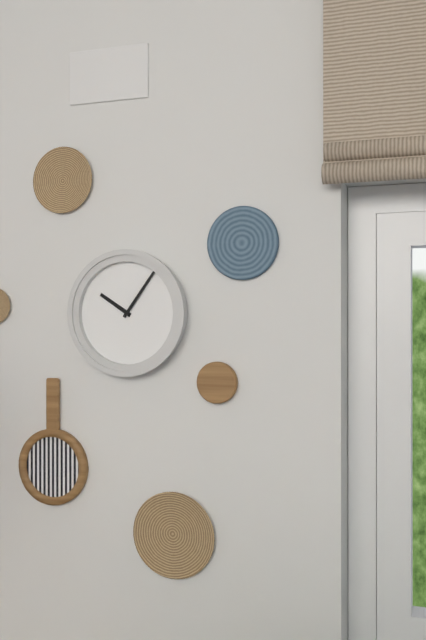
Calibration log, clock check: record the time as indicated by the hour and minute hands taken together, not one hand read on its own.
10:06
